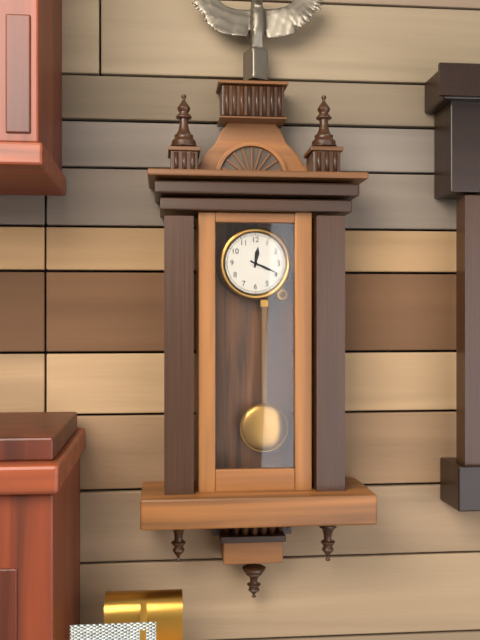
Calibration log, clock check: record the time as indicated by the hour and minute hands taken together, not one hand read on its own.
12:19
